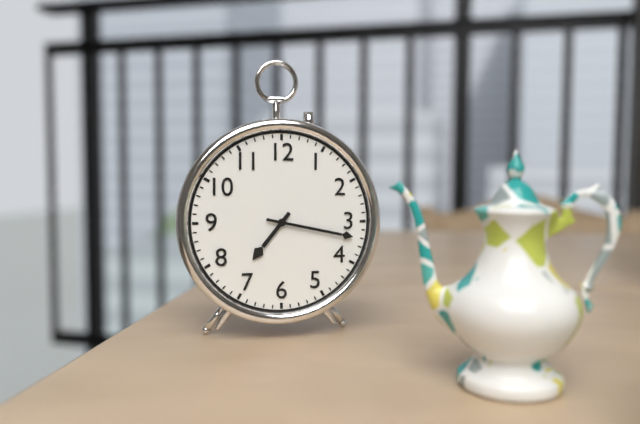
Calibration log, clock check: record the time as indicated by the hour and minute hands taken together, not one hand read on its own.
7:17
